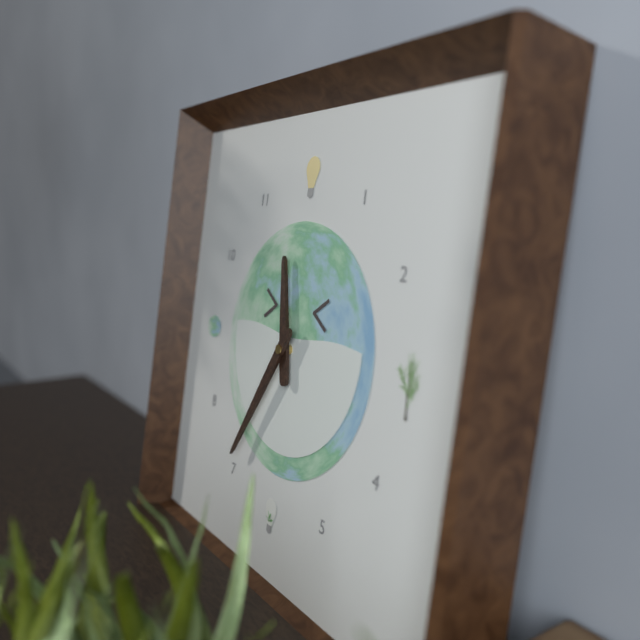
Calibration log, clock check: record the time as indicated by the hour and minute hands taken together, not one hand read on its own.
11:35
